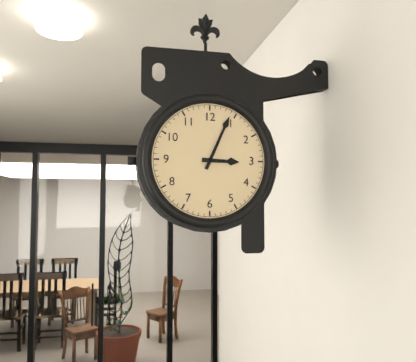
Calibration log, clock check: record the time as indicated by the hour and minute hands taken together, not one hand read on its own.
3:04
